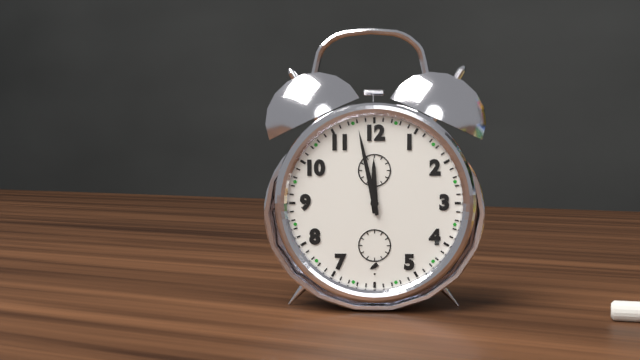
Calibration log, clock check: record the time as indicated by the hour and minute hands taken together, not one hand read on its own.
11:58
